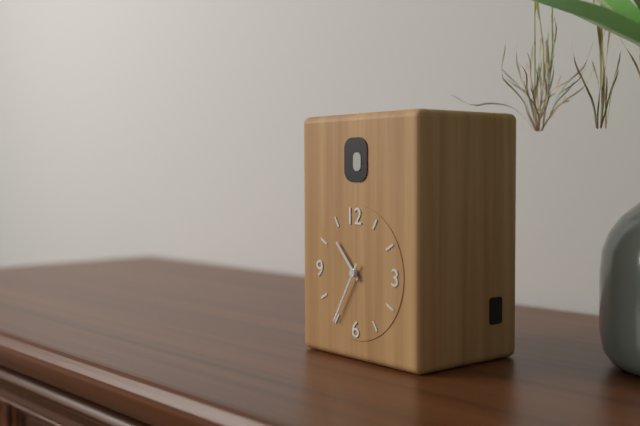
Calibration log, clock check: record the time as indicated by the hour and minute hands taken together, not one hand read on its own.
10:35
